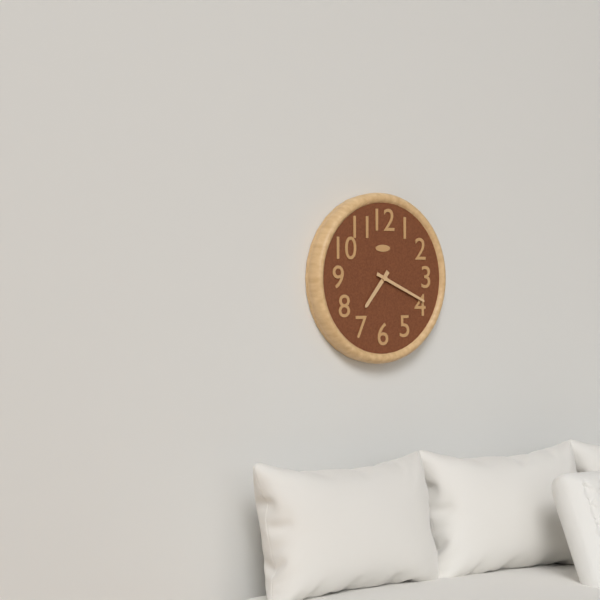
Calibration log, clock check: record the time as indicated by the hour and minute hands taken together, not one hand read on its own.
7:19
